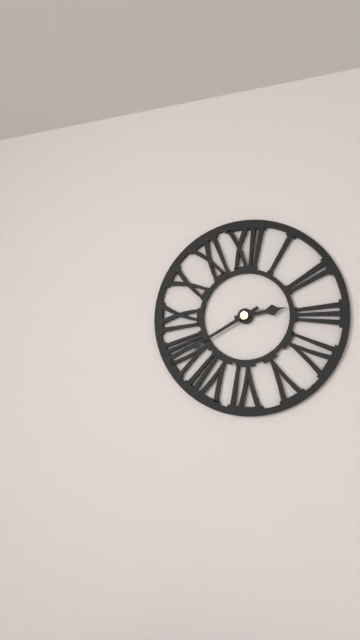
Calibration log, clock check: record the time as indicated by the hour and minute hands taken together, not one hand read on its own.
2:40
